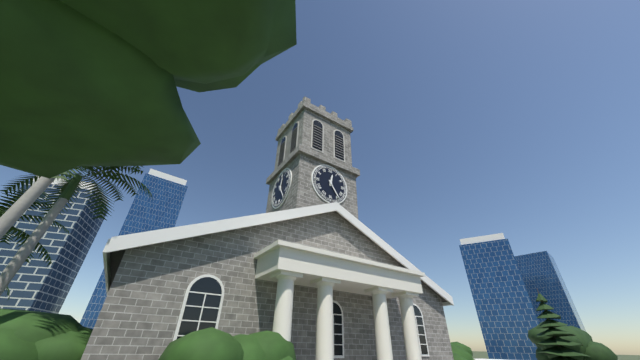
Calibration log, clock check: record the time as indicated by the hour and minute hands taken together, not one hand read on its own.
12:24
